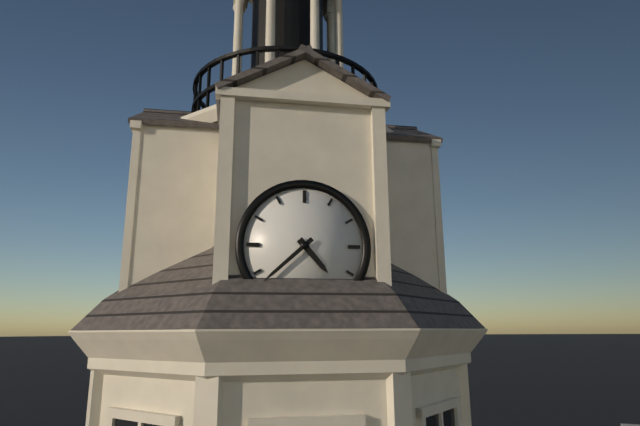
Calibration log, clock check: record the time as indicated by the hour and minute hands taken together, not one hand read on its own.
4:38
